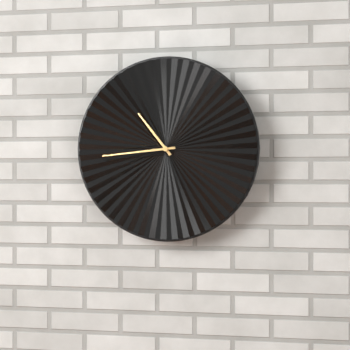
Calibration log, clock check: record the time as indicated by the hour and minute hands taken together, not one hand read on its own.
10:44
